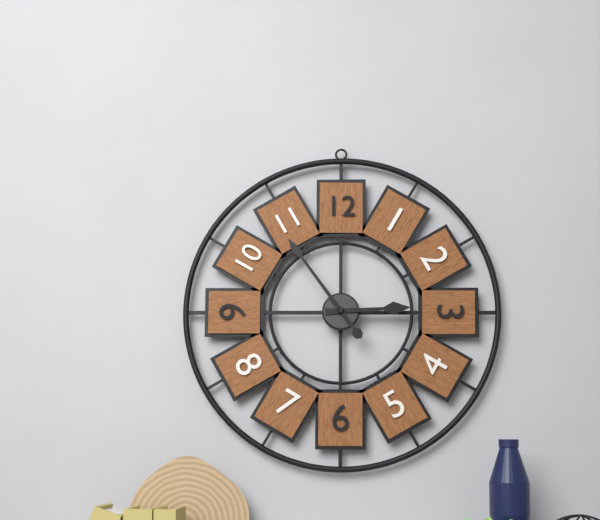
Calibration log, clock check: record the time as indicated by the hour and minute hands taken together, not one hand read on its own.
2:54
